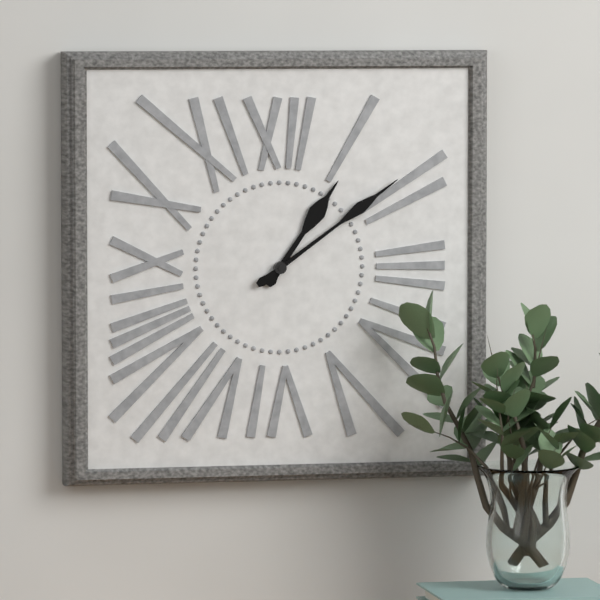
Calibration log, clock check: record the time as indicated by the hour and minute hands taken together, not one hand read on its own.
1:09
